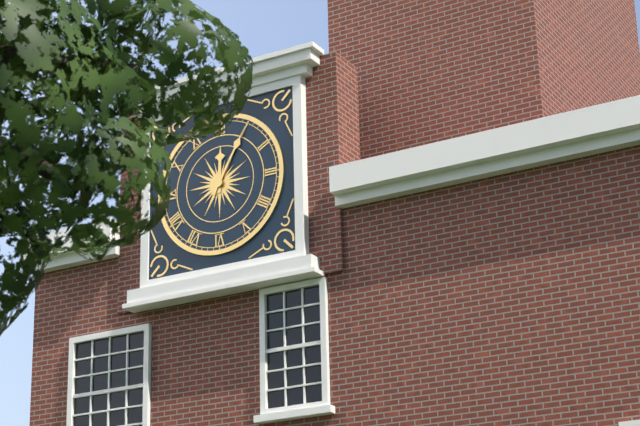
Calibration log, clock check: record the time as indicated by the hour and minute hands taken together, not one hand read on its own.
12:05
